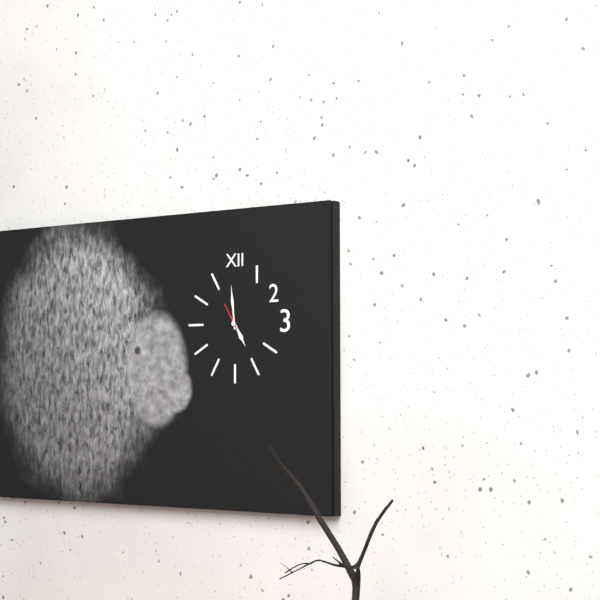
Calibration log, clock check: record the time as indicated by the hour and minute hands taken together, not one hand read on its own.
4:59
